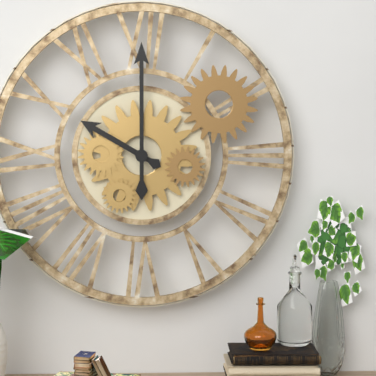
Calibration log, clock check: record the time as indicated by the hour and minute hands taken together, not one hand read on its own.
10:00
